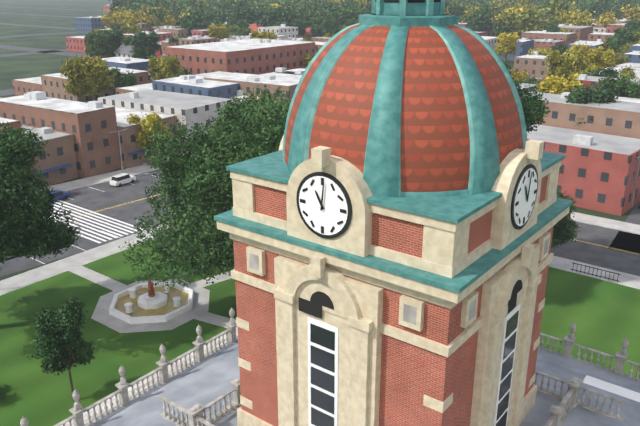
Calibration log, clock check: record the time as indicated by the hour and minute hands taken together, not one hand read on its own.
11:01
